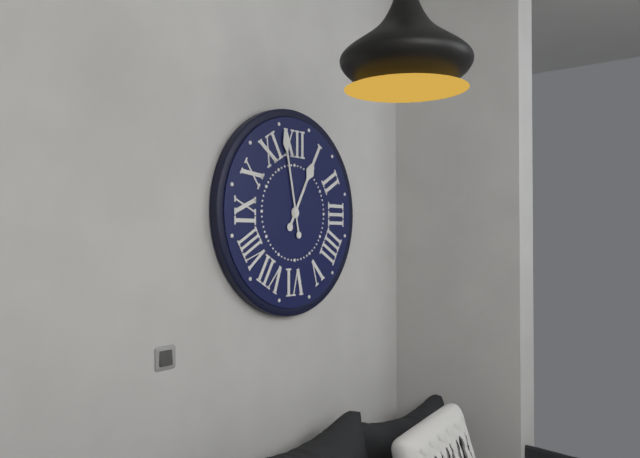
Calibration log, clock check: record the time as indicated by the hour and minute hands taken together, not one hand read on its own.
12:58
